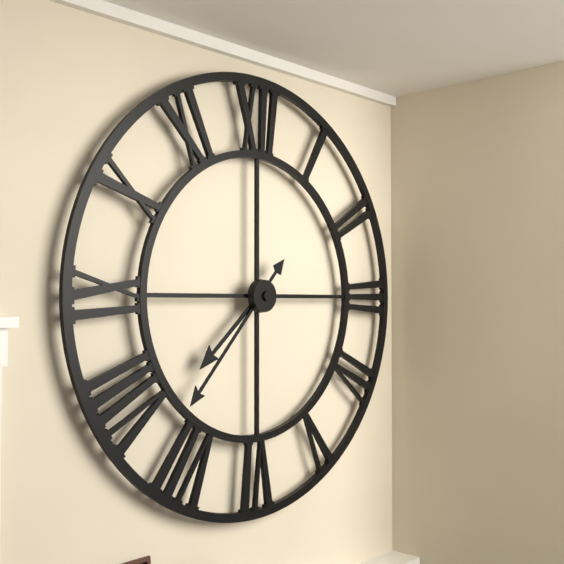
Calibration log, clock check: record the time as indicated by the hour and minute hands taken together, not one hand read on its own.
7:37
